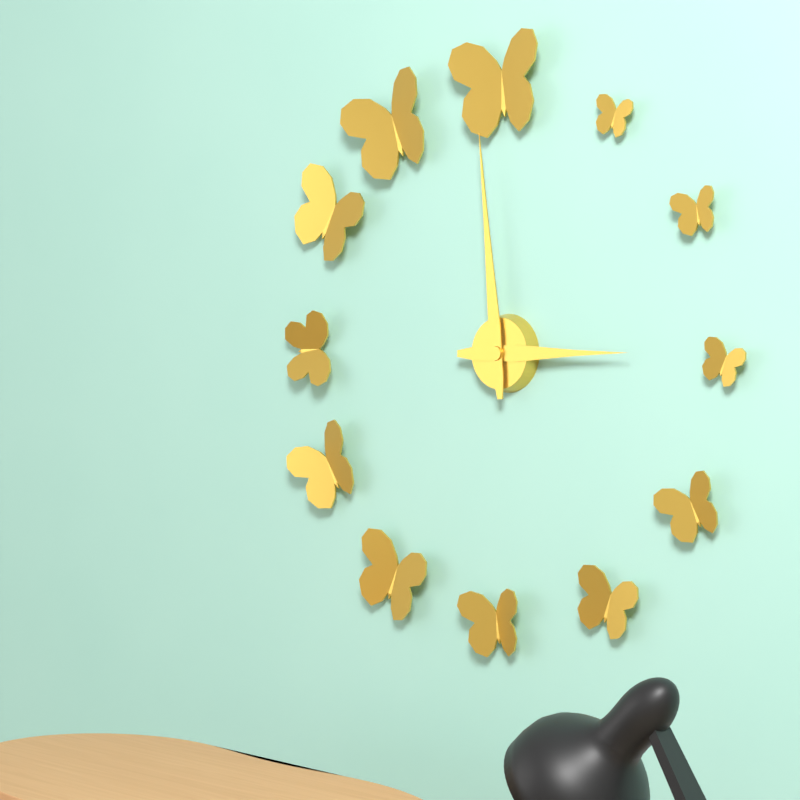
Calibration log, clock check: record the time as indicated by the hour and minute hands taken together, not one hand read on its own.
2:59
